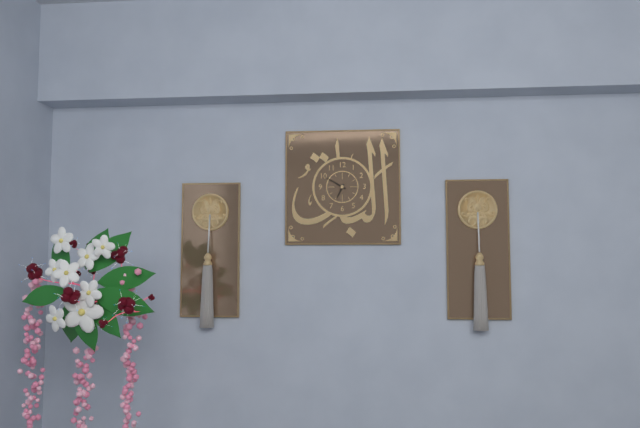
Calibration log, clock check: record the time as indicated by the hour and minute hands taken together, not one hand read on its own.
6:50
